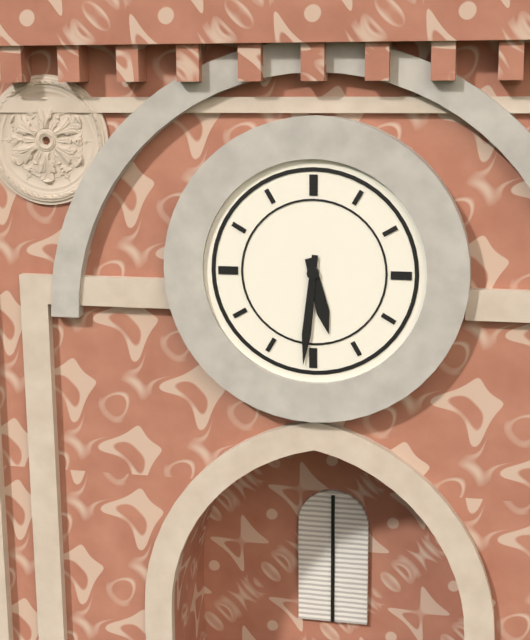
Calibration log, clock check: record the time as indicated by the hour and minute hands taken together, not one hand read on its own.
5:31
